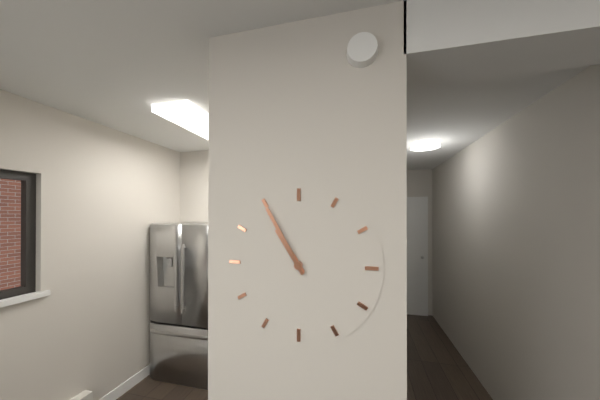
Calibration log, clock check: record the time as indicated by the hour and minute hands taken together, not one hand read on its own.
10:55
